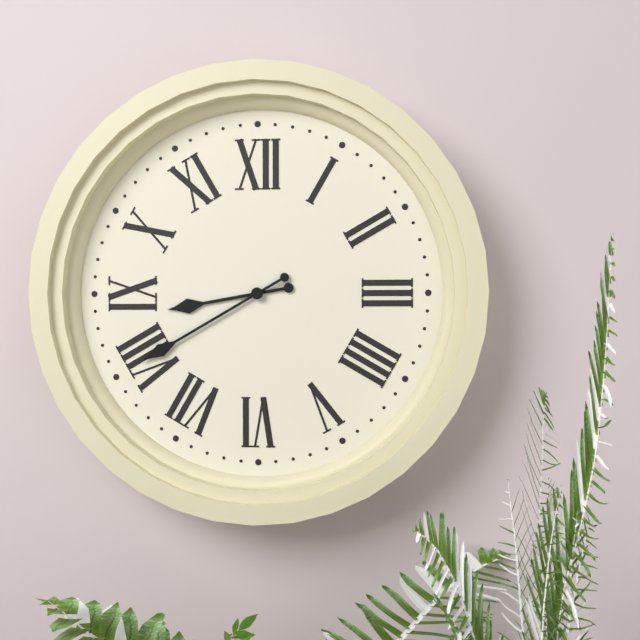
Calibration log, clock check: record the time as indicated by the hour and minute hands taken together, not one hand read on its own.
8:40
